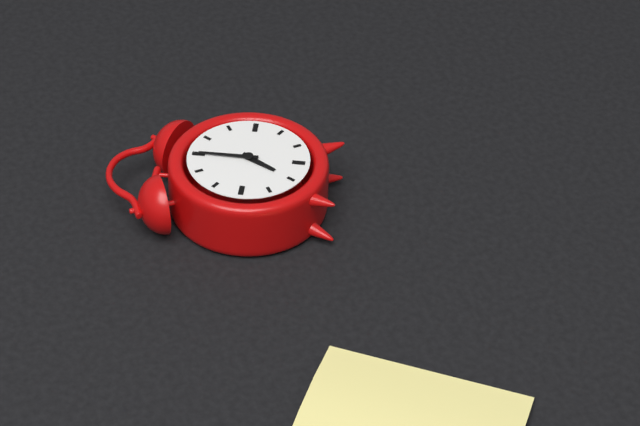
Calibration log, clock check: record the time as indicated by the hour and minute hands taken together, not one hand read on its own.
7:00
